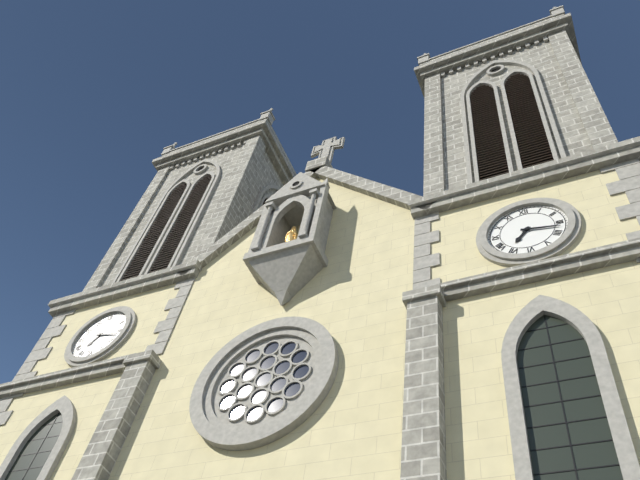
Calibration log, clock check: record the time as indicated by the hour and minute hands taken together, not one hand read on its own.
7:17
